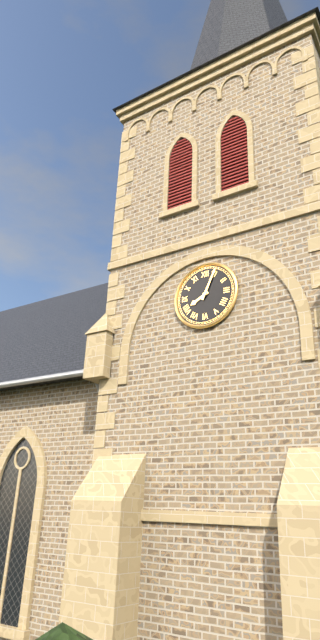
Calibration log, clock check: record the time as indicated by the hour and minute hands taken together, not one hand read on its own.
8:04
